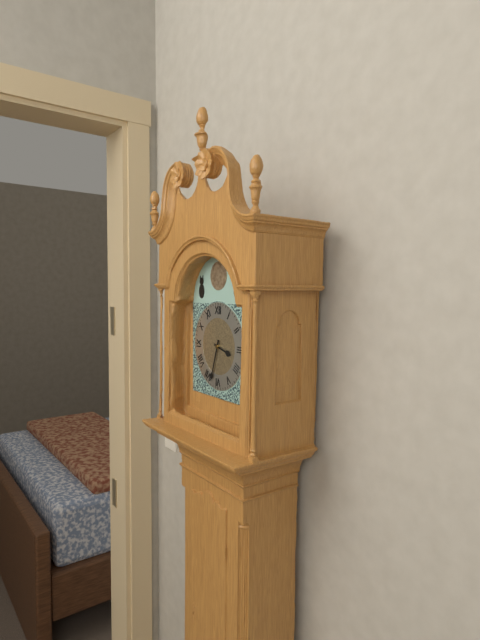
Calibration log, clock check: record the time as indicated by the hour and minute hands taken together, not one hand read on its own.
3:33
